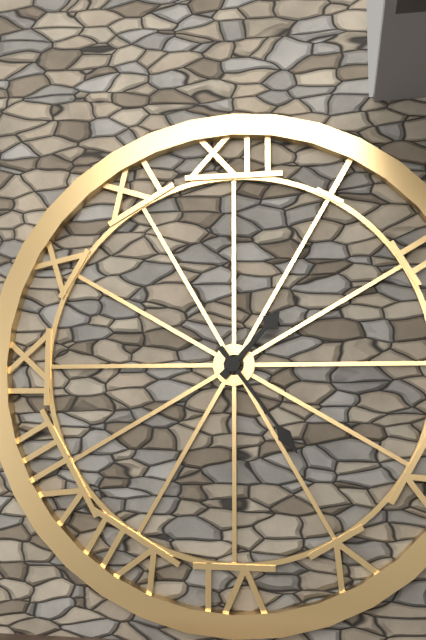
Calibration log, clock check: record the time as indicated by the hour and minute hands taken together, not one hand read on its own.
1:24
